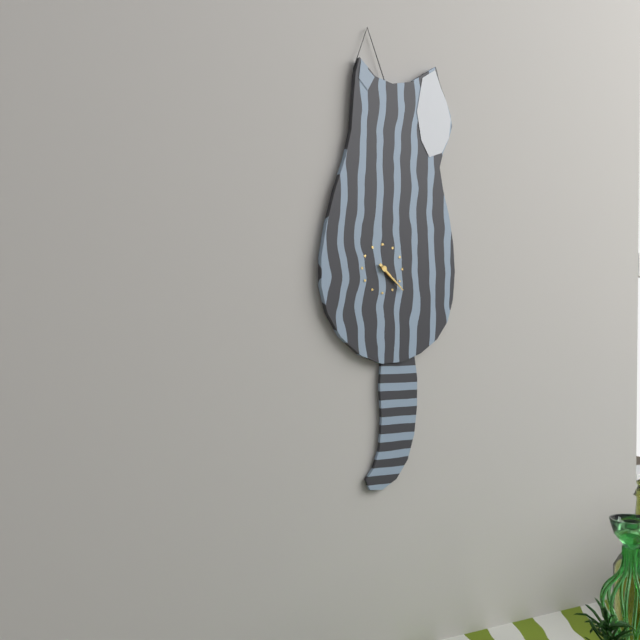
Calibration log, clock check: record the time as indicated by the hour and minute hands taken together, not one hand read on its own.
4:22
